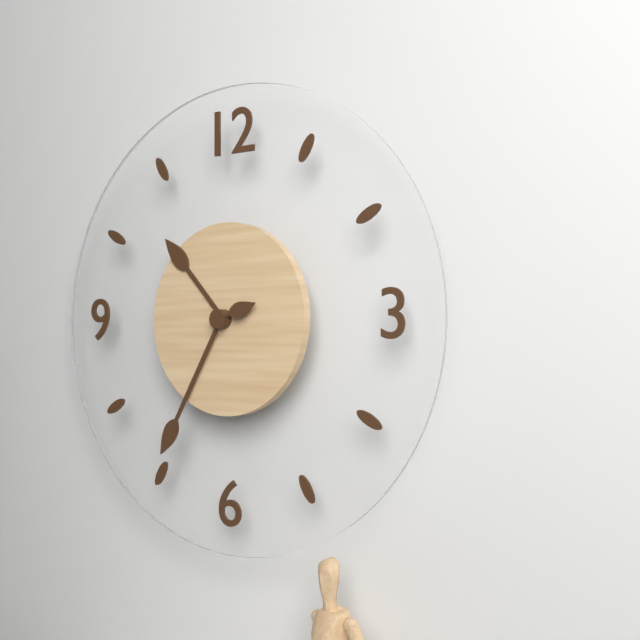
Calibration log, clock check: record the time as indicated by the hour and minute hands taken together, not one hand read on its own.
10:35
